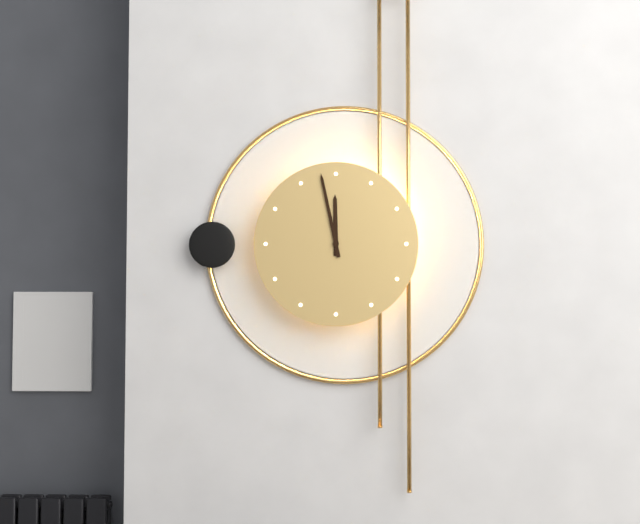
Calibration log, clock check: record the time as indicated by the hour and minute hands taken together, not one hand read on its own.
11:58
